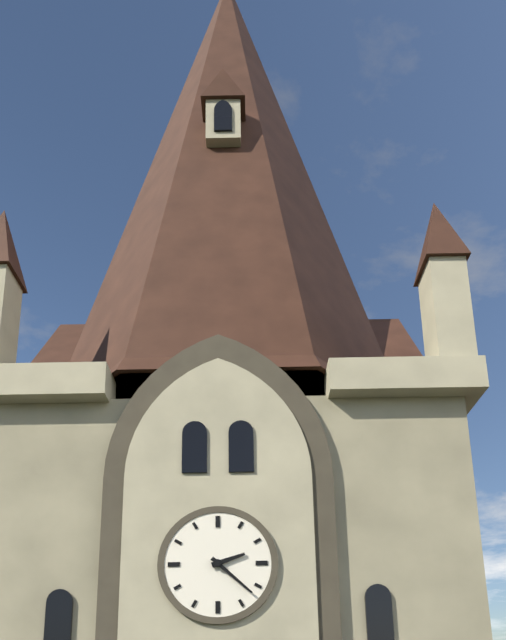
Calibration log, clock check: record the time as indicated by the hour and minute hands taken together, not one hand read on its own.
2:22
